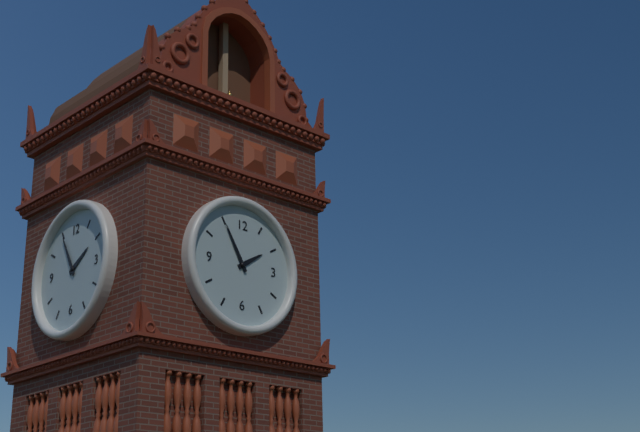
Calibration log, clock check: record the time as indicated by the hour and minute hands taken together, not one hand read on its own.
1:55
